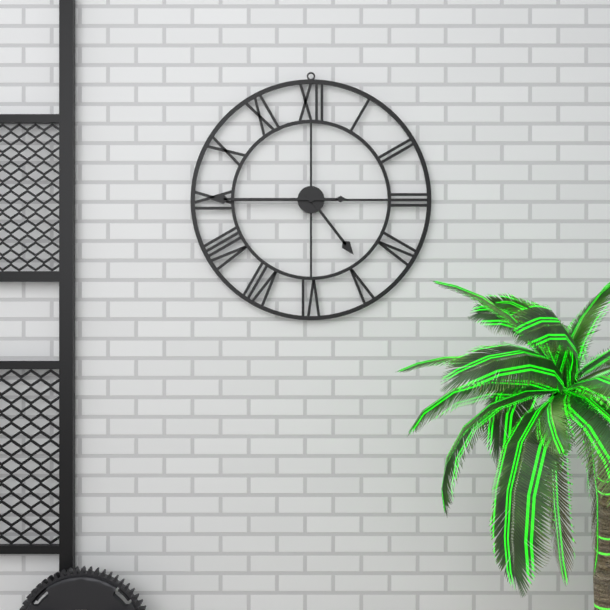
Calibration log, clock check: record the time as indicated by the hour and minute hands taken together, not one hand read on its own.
4:45
